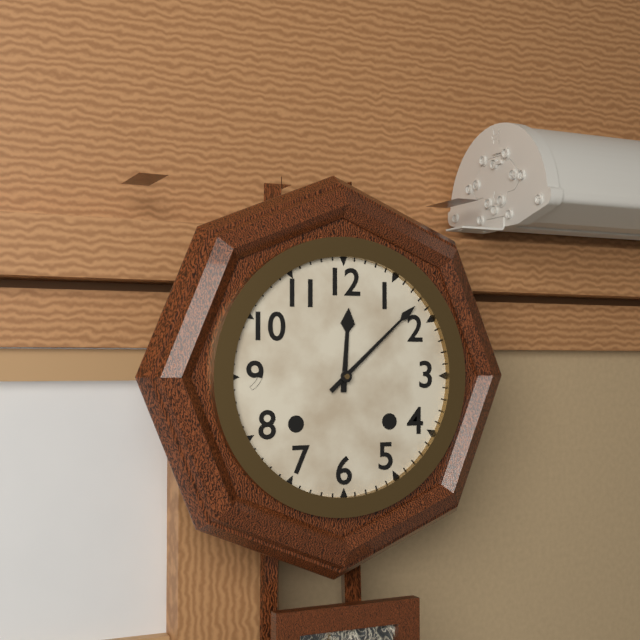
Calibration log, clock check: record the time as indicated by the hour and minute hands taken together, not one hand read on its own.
12:08
